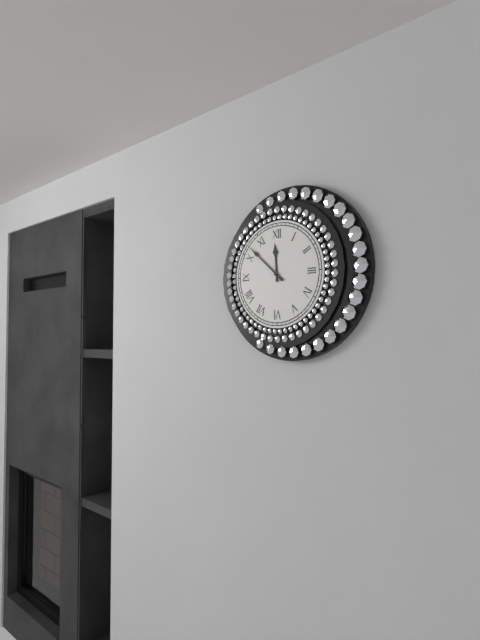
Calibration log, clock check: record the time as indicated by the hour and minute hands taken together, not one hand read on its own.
11:52
